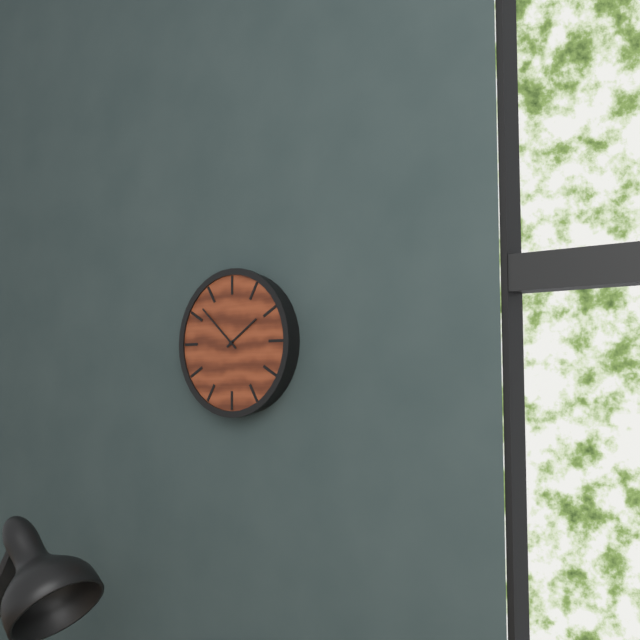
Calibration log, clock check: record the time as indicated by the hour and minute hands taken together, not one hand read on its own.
1:52
